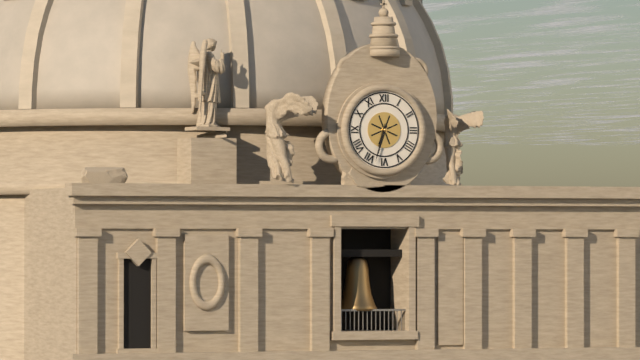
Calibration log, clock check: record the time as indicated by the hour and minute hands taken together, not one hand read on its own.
6:33
